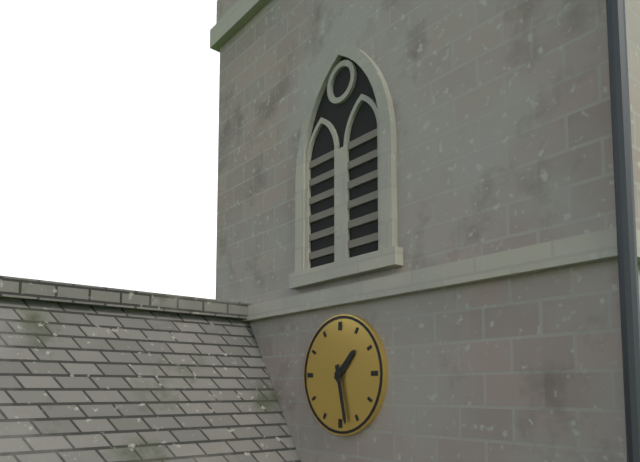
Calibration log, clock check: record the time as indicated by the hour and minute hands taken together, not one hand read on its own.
1:28
